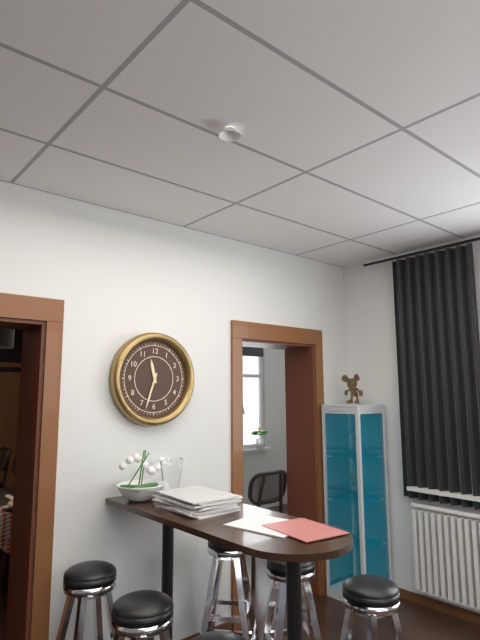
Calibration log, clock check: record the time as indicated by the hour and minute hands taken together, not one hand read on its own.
11:33
